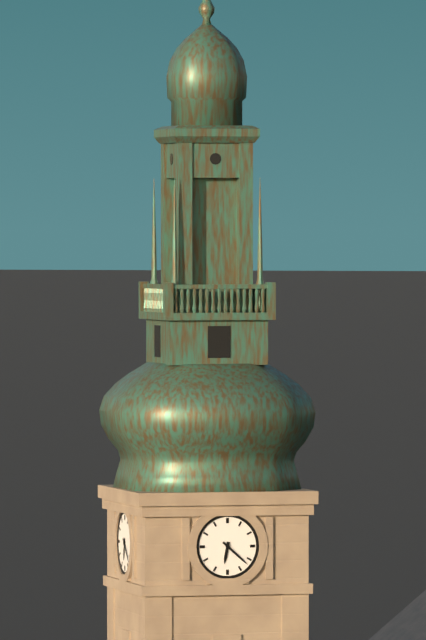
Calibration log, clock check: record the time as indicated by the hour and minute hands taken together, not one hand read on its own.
6:22
